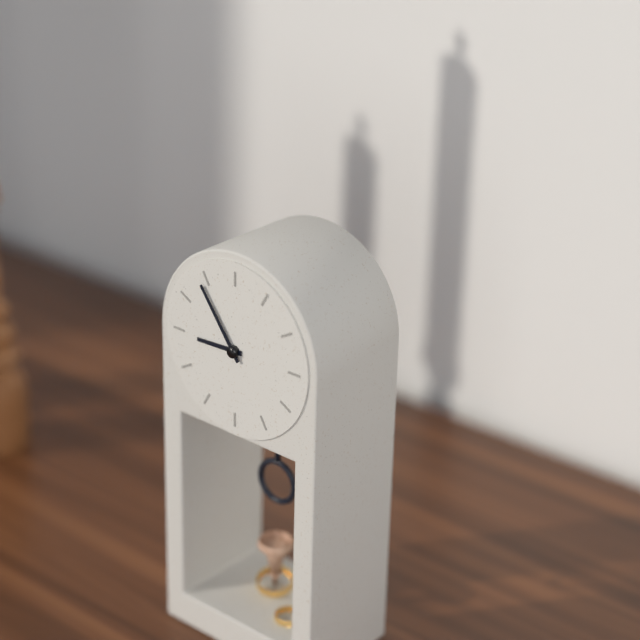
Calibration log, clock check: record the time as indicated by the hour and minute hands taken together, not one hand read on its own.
8:54
